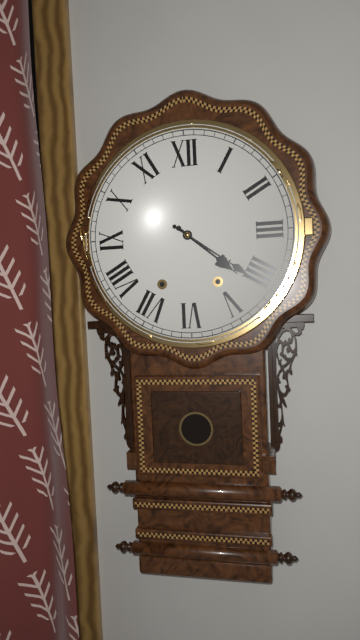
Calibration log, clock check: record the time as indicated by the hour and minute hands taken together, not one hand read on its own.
4:21
